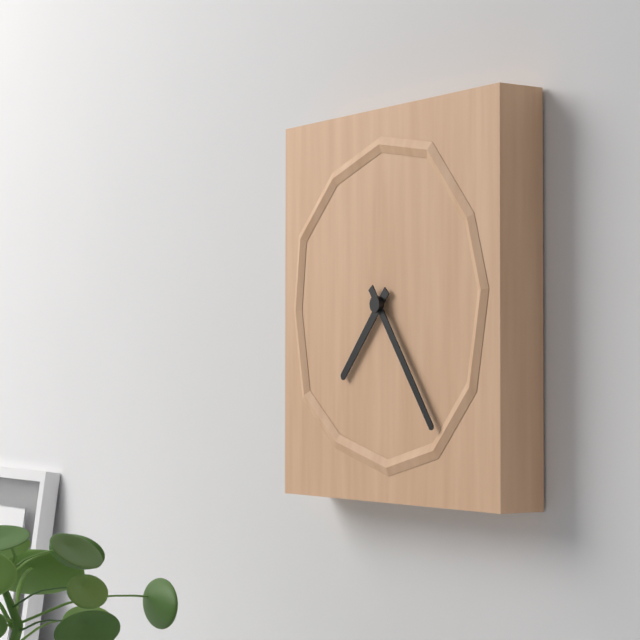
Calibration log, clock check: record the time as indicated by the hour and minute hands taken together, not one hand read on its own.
7:24
